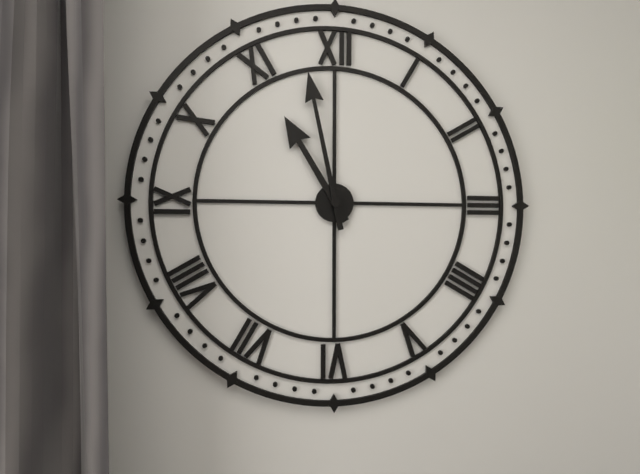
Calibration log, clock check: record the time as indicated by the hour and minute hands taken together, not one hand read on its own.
10:58
